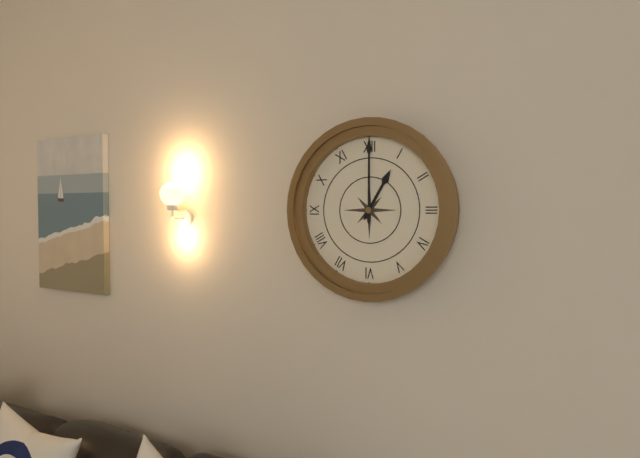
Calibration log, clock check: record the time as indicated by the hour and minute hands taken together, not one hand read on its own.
1:00
